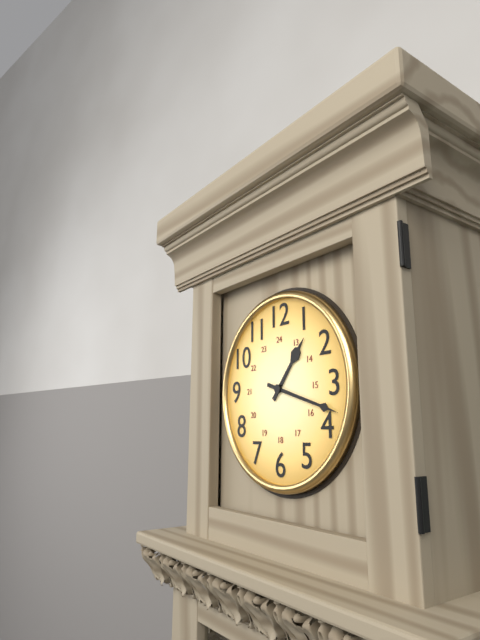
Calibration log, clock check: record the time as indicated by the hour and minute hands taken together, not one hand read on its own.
1:18
